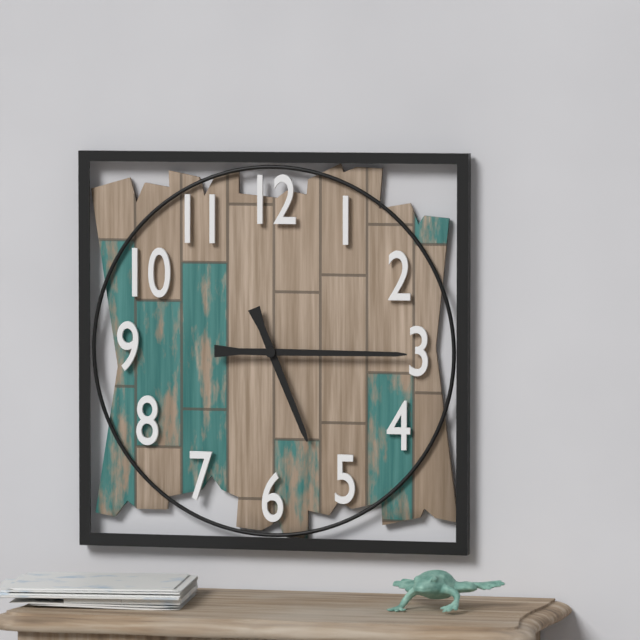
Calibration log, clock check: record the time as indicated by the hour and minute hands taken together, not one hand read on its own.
5:15
